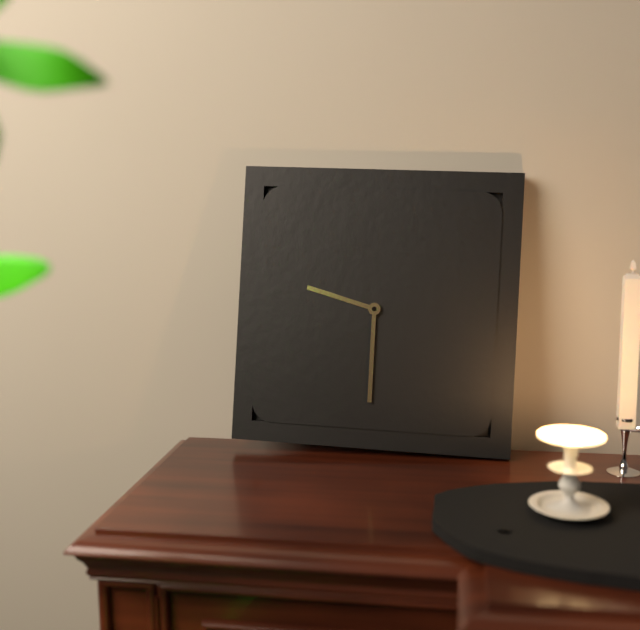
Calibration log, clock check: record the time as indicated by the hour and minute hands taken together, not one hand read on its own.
9:30
